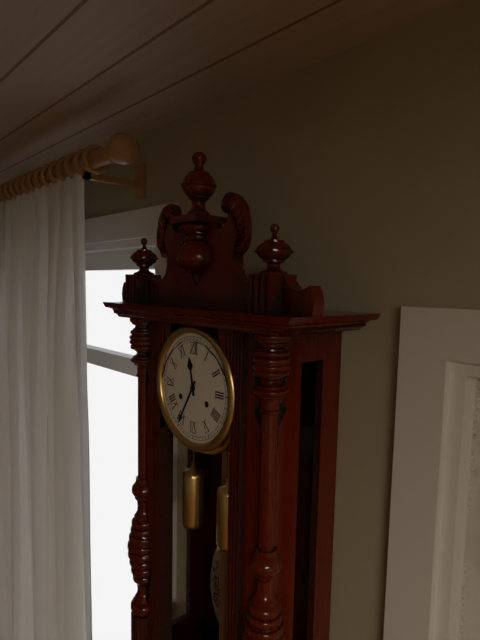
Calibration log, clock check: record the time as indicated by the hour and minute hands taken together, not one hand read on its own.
11:35
